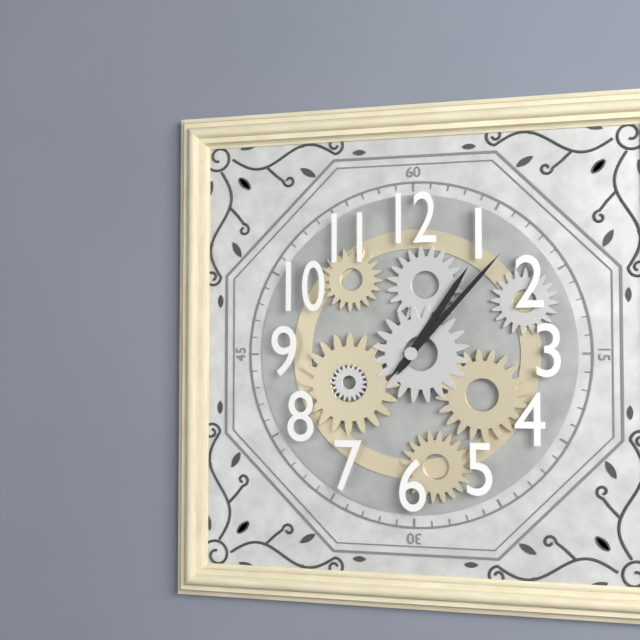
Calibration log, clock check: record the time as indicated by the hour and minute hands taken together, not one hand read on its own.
1:07
